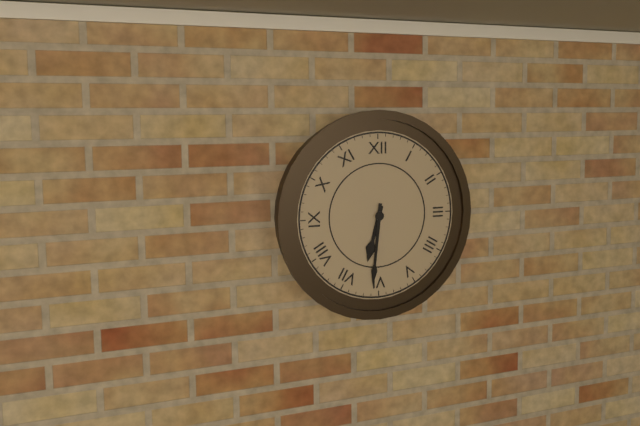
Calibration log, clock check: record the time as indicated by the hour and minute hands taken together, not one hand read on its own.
6:31
